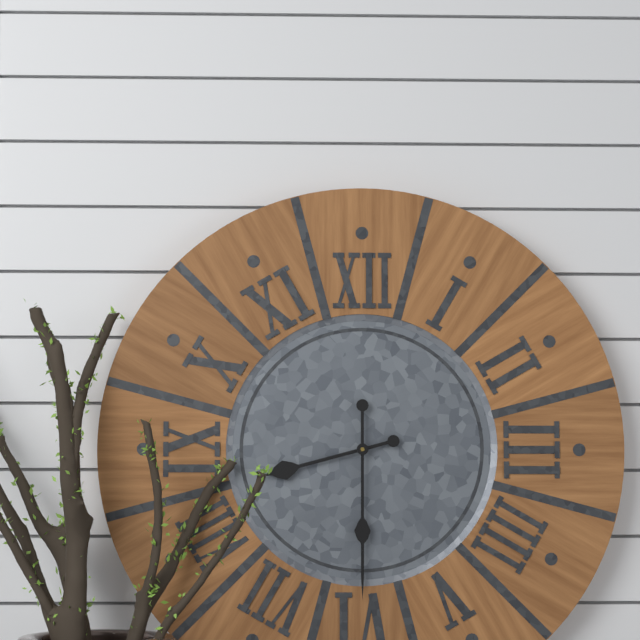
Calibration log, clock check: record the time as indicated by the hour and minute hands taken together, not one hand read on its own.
8:30
